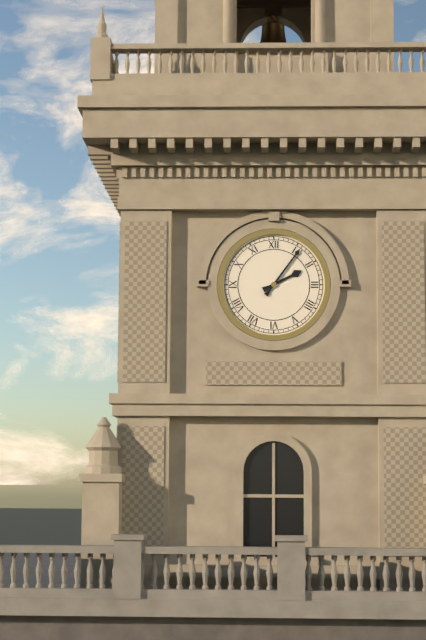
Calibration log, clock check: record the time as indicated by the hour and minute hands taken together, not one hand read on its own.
2:06
